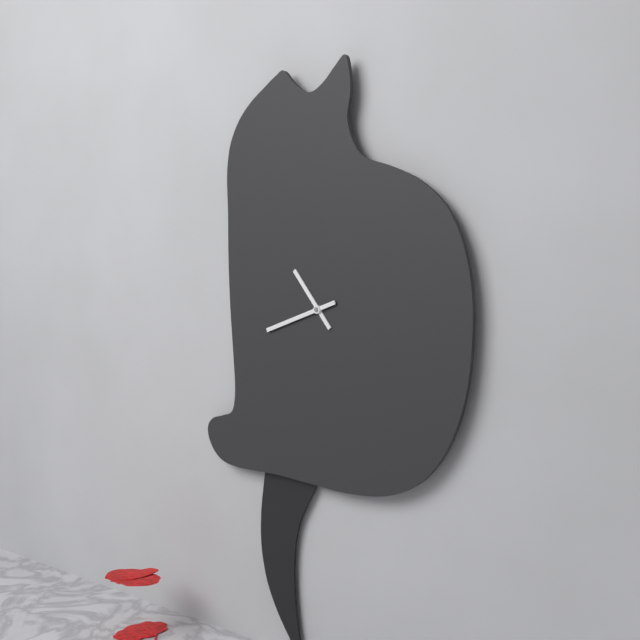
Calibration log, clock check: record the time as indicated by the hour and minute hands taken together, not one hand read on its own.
10:42
